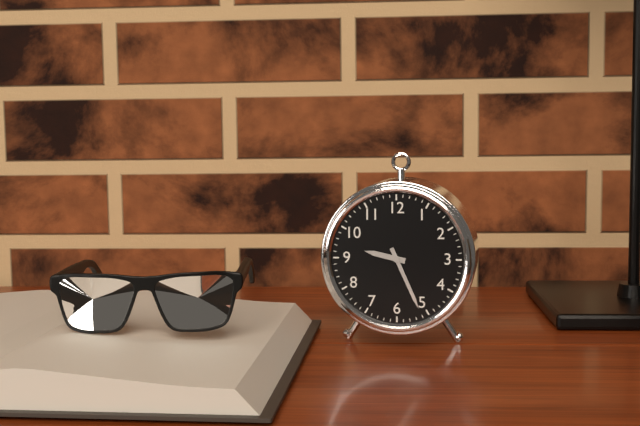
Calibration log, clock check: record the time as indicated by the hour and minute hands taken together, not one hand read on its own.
9:26
